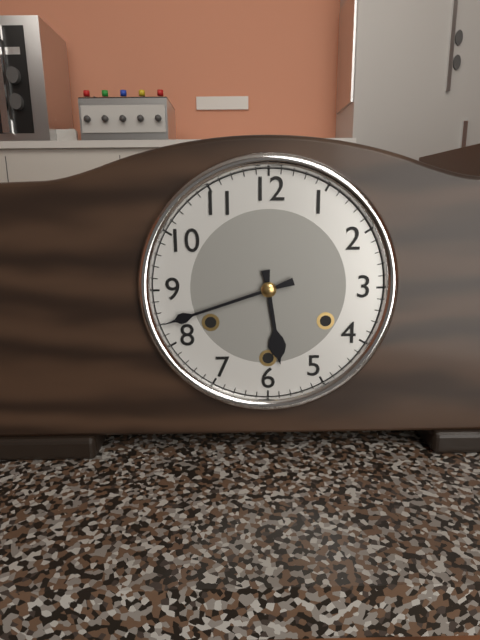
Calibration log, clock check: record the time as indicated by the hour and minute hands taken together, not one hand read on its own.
5:42
